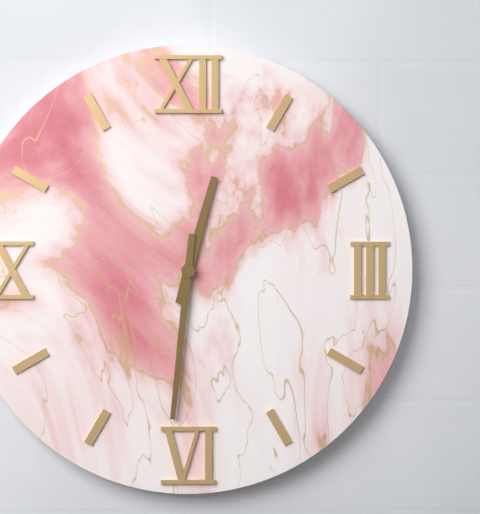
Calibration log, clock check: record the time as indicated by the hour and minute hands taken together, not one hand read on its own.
12:31
